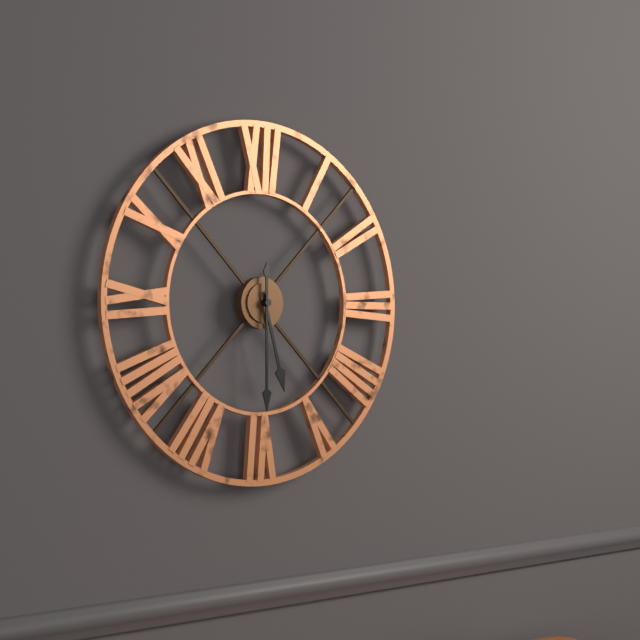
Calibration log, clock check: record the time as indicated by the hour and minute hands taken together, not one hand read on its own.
5:30
